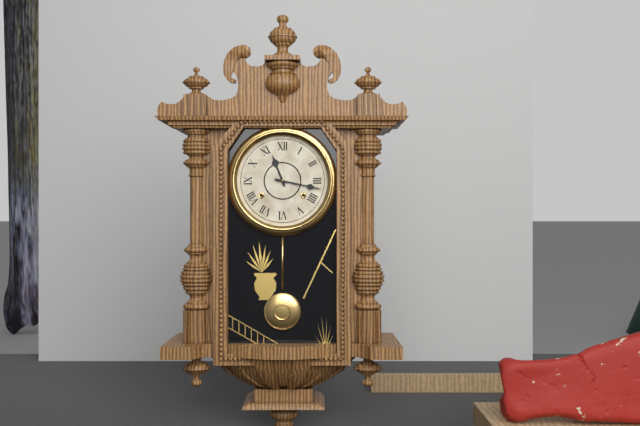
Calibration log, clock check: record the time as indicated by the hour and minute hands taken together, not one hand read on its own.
11:17
